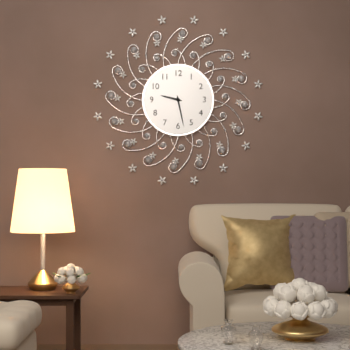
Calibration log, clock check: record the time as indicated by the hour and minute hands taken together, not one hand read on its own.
9:28
